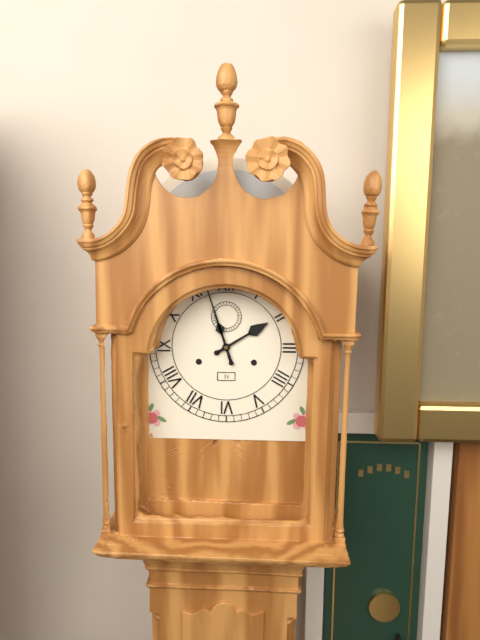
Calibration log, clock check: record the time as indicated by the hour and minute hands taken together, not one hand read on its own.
1:57
